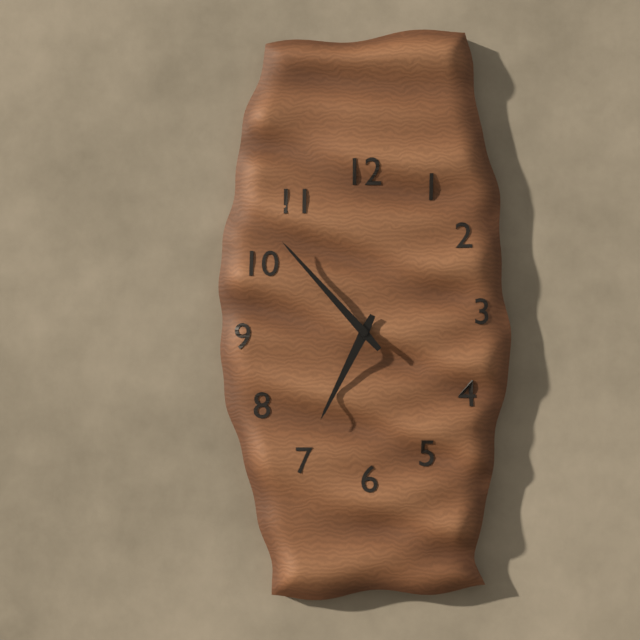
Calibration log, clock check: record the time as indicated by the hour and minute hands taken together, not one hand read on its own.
6:53
